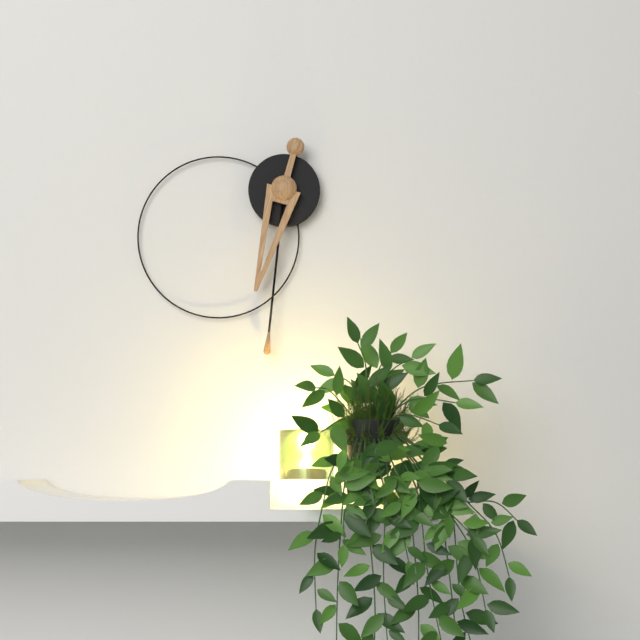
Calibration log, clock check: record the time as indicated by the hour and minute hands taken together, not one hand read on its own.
6:31
